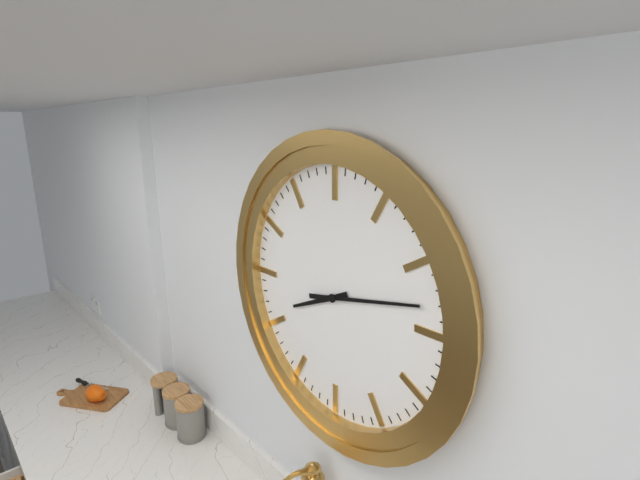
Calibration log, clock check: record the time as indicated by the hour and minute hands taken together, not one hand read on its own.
8:13
